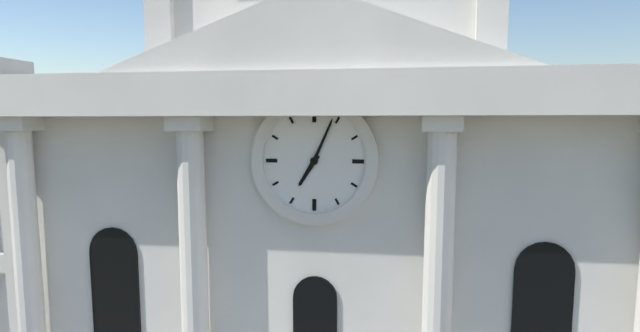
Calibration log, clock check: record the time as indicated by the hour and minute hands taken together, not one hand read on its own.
7:04
